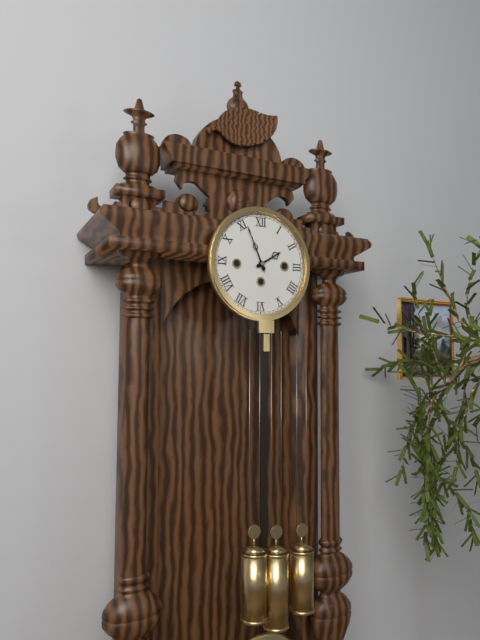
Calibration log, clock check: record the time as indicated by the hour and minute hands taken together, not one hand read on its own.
1:56
